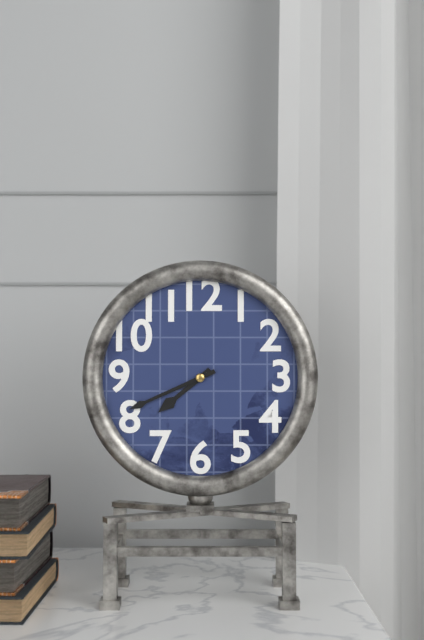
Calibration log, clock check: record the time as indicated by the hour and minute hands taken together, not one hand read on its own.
7:41
